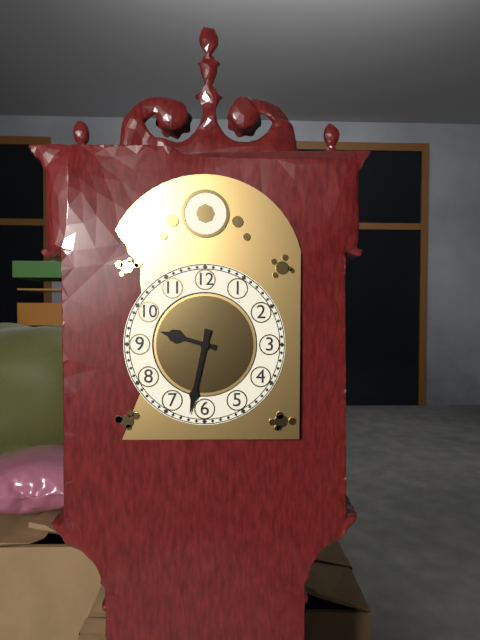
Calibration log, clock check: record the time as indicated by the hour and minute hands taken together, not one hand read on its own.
9:32
